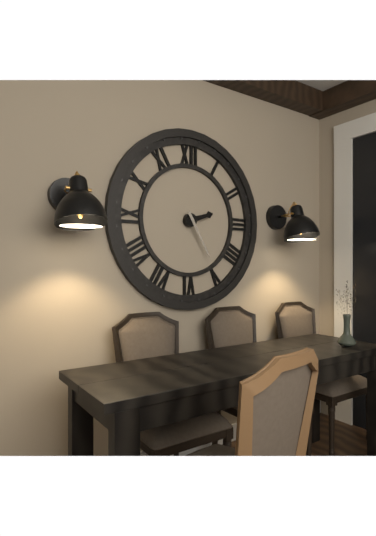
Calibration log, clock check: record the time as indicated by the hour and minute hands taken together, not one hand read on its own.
2:25
